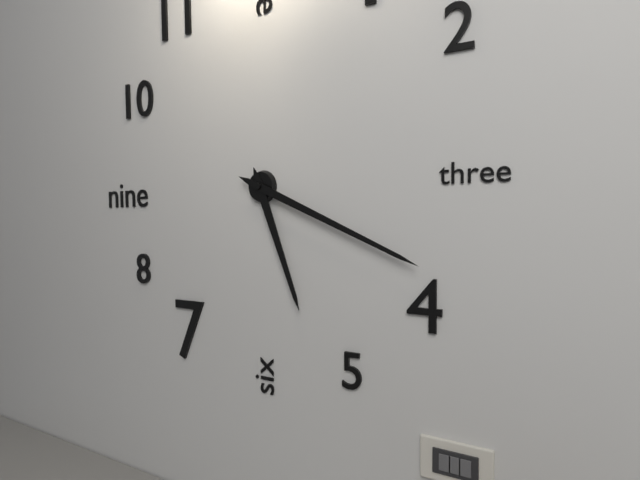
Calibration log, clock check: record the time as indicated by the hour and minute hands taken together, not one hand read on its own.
5:19
